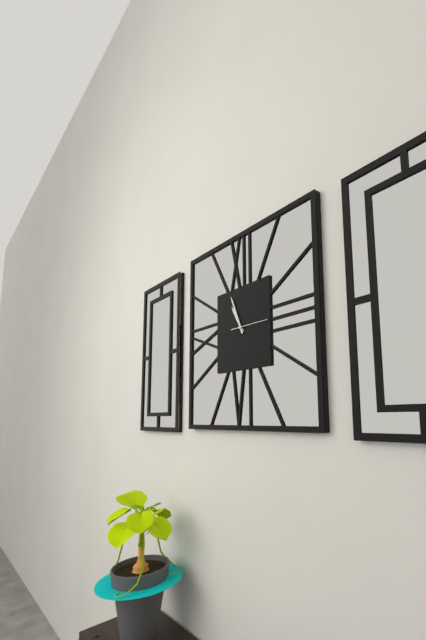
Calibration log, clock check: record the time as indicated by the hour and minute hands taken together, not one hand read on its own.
10:56
